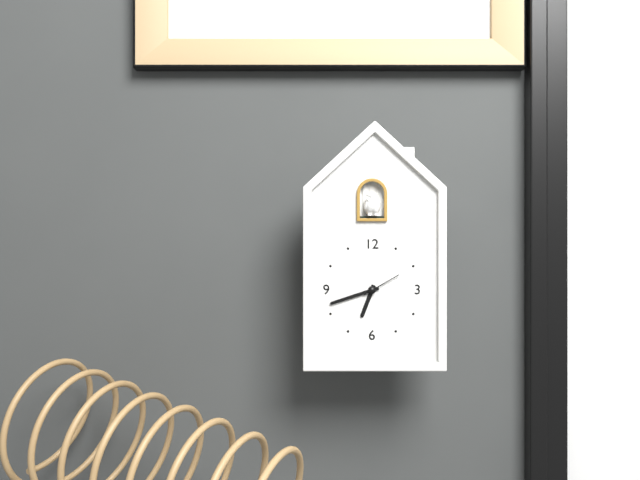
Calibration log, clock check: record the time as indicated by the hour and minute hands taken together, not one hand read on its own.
6:42
